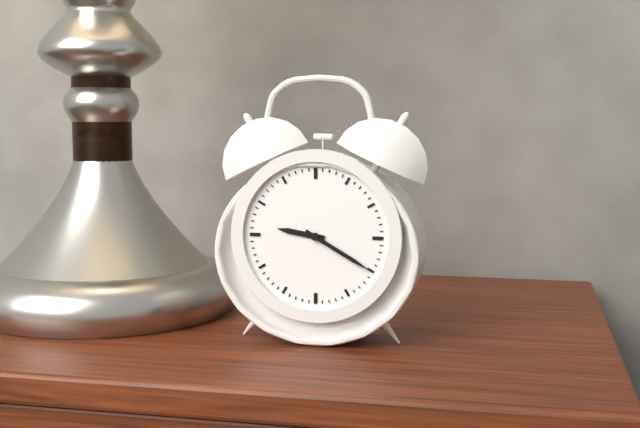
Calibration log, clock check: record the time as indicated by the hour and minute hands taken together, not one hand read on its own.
9:20
